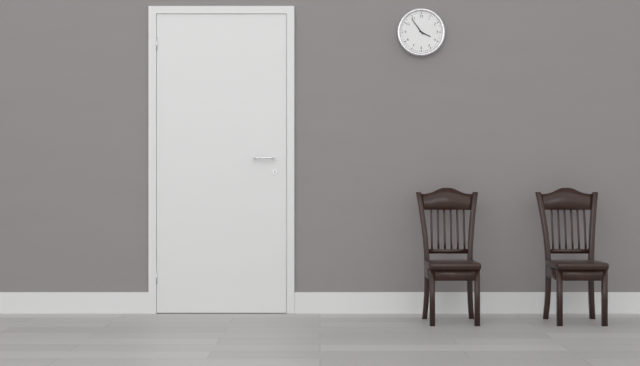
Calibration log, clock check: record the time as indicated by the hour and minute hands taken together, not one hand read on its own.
3:54
